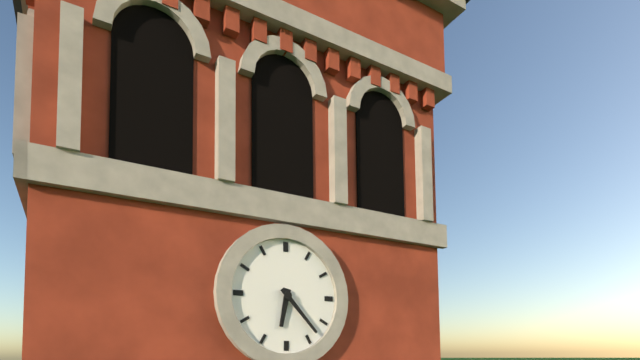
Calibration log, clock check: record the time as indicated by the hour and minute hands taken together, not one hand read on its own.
6:23
